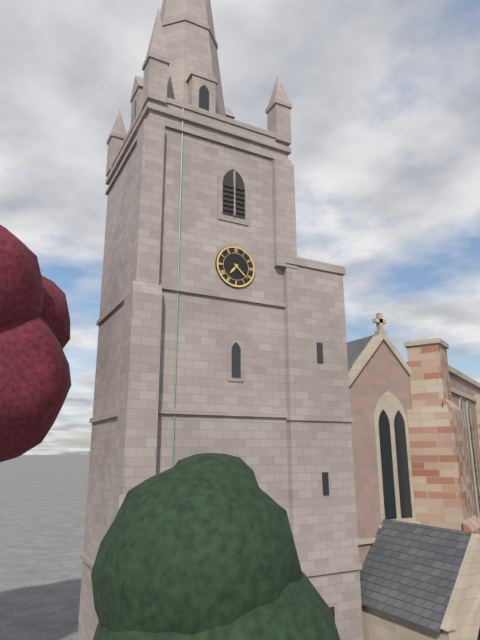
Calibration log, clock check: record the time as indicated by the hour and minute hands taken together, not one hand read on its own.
7:22
